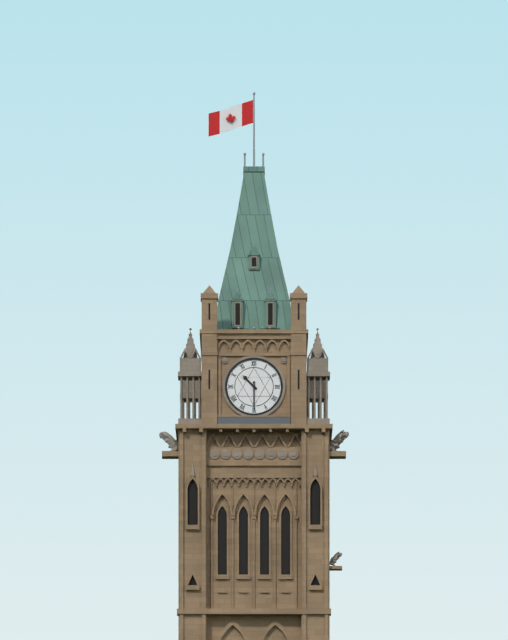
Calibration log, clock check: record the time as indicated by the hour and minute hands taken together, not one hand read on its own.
10:30
